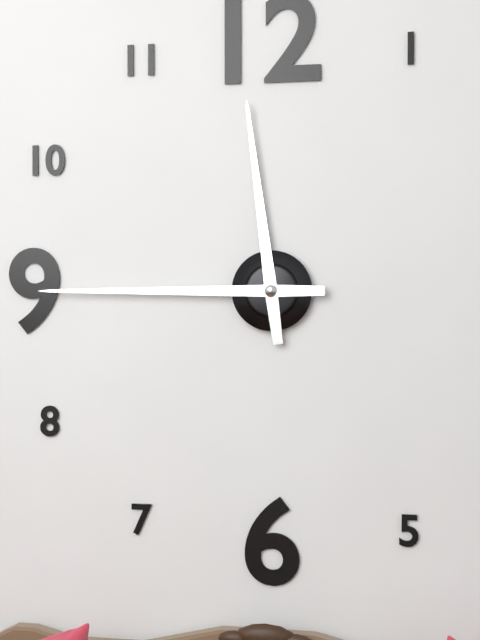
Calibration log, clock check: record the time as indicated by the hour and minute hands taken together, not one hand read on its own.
11:45
